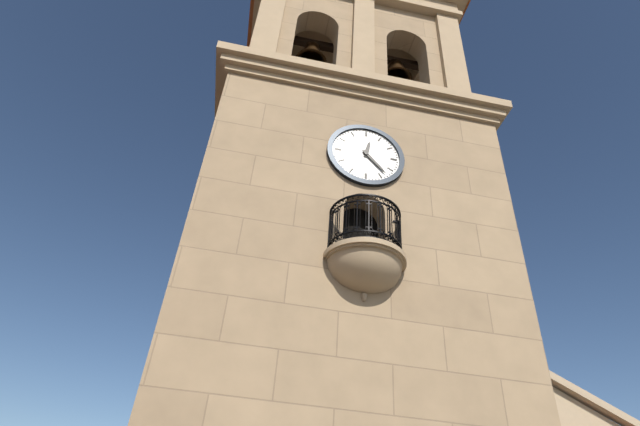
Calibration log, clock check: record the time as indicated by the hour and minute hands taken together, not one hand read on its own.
12:23
